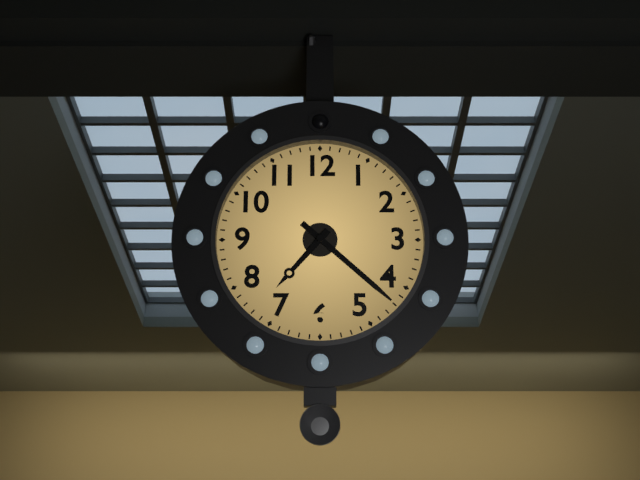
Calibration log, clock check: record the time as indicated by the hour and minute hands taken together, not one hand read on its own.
7:22
